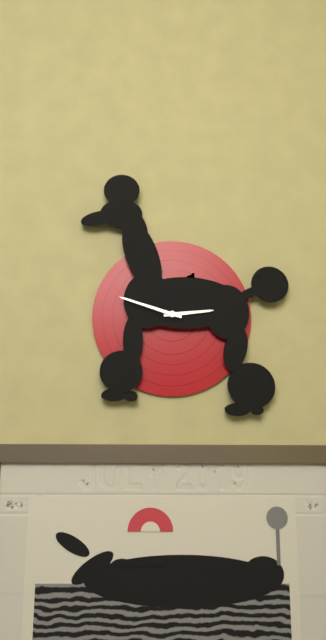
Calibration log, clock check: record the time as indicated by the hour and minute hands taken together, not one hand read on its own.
2:48
